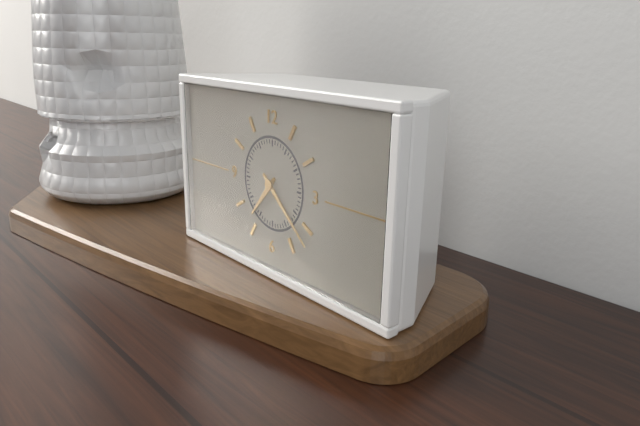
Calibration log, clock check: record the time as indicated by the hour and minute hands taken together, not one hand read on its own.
7:22
